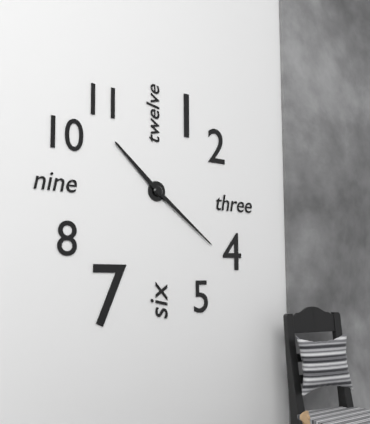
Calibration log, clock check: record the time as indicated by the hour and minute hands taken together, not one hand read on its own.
10:21
